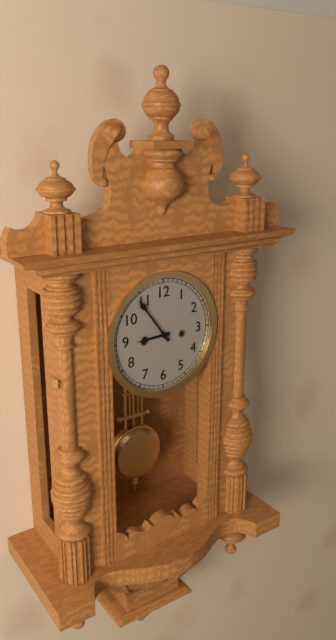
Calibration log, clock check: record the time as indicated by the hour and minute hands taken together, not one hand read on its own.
8:54
